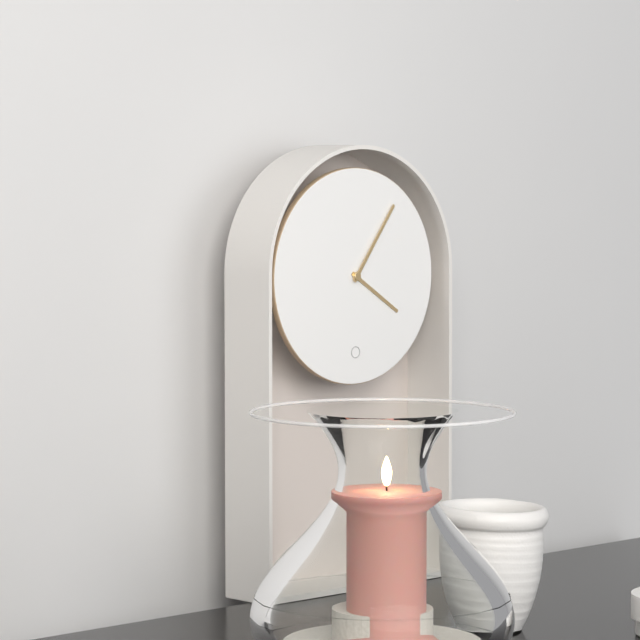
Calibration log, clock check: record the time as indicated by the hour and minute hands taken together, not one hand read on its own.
4:06
